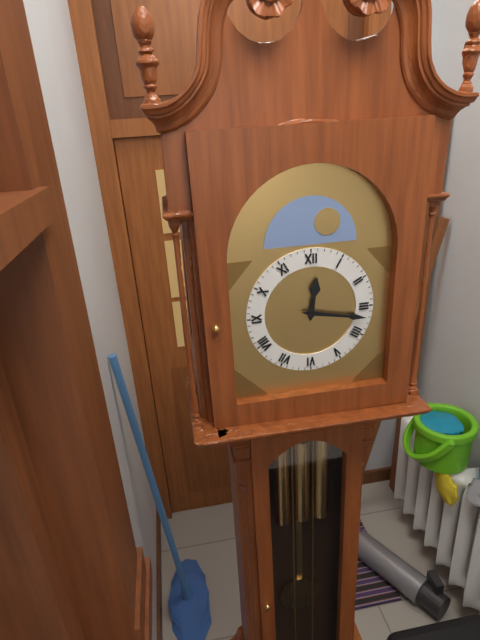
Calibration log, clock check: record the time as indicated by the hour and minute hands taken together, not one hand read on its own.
12:17
